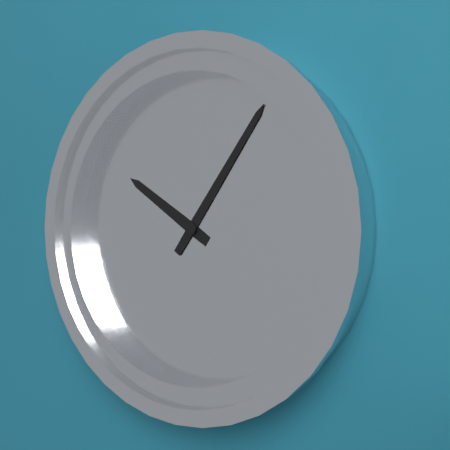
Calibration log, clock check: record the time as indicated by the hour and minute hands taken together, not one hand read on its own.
10:06
